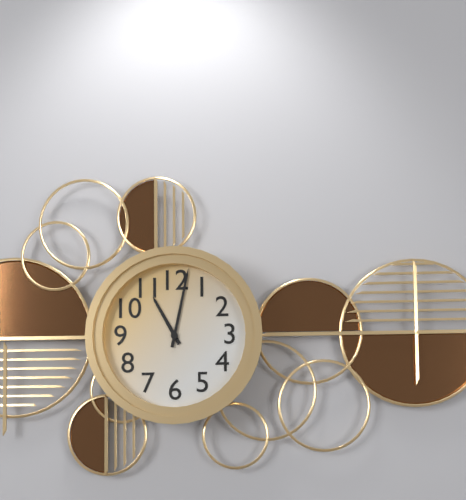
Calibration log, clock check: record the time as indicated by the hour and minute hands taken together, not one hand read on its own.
11:02
